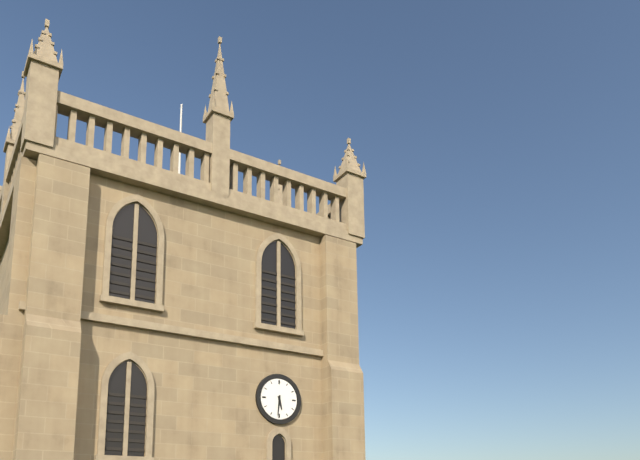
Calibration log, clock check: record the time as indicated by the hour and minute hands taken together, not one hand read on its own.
5:31
